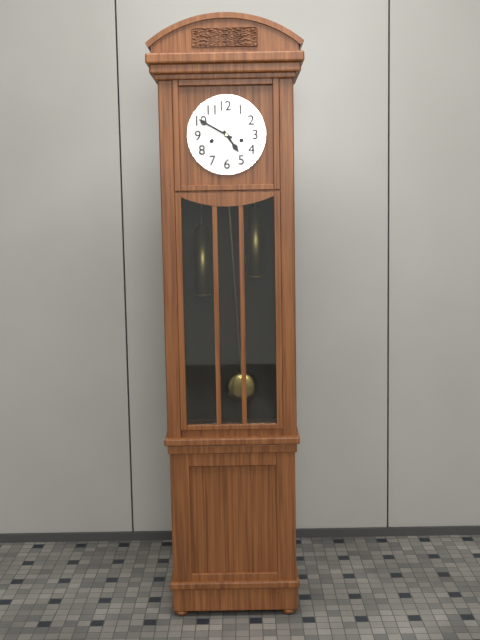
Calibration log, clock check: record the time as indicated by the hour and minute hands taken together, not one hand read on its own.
4:50
